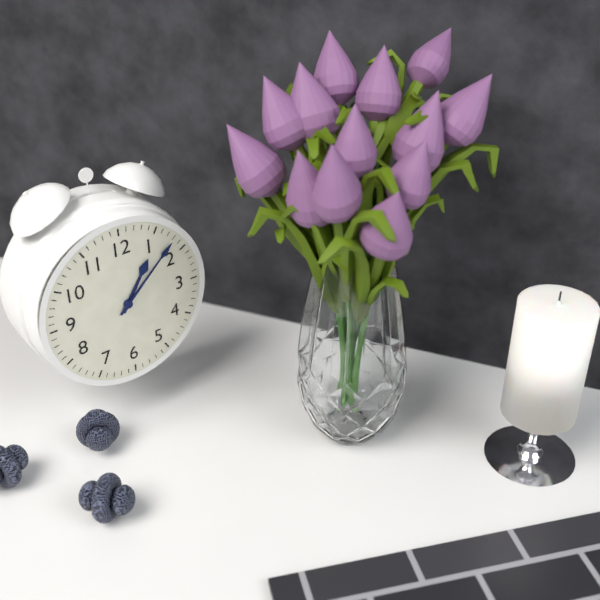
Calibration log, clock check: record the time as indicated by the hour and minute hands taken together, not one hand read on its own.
1:08
